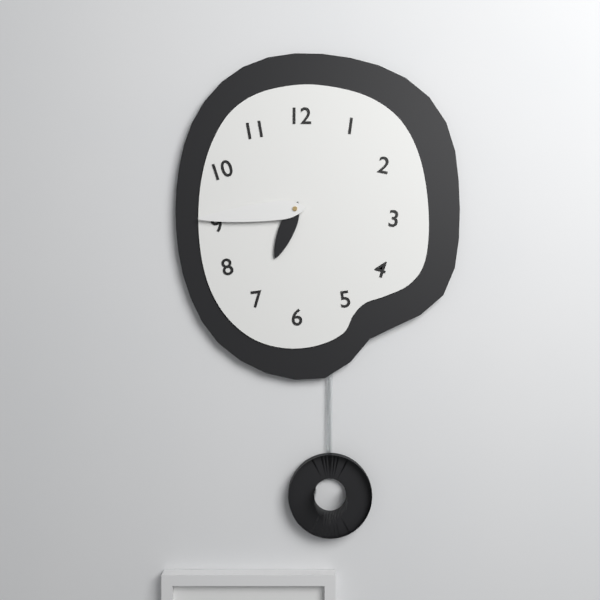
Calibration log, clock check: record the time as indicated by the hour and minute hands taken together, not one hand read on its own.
6:44
